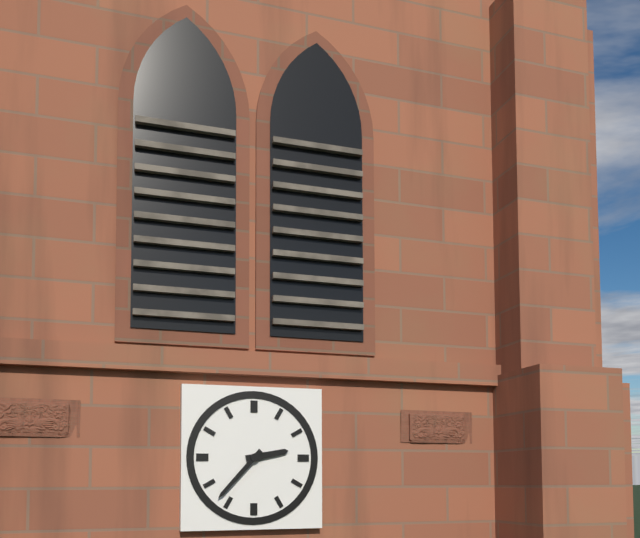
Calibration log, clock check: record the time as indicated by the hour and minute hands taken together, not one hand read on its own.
2:37
